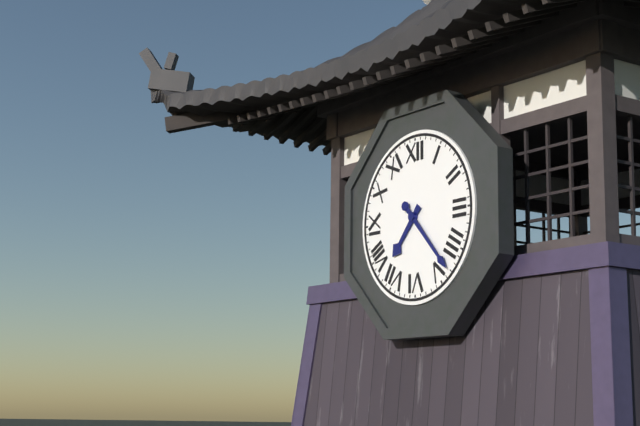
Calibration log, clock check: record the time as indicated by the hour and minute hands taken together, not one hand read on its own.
7:23
